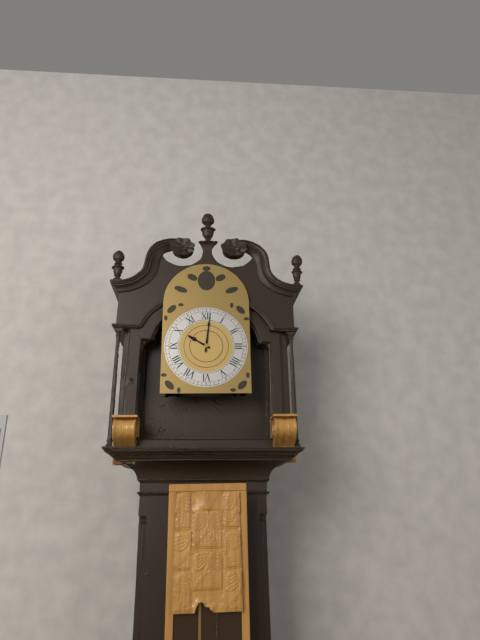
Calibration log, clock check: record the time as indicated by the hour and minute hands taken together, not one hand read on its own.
10:01
